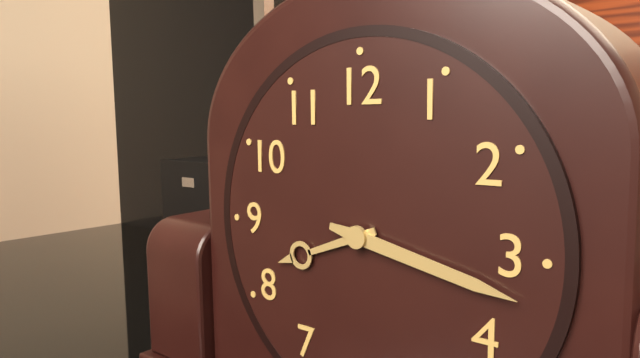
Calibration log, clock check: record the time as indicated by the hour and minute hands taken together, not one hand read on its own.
8:17
